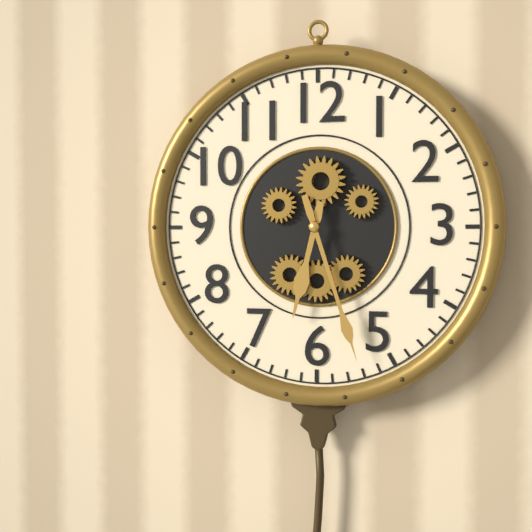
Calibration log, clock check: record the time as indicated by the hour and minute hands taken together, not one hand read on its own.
6:27
